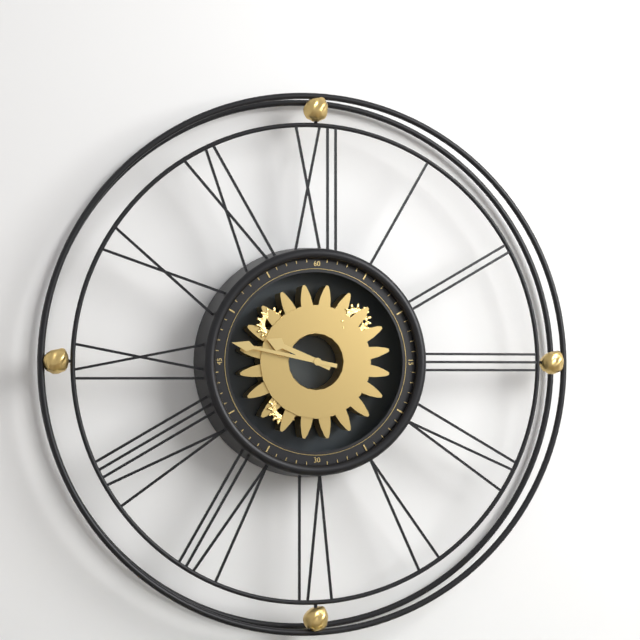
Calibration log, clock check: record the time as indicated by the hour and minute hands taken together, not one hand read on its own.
9:47
